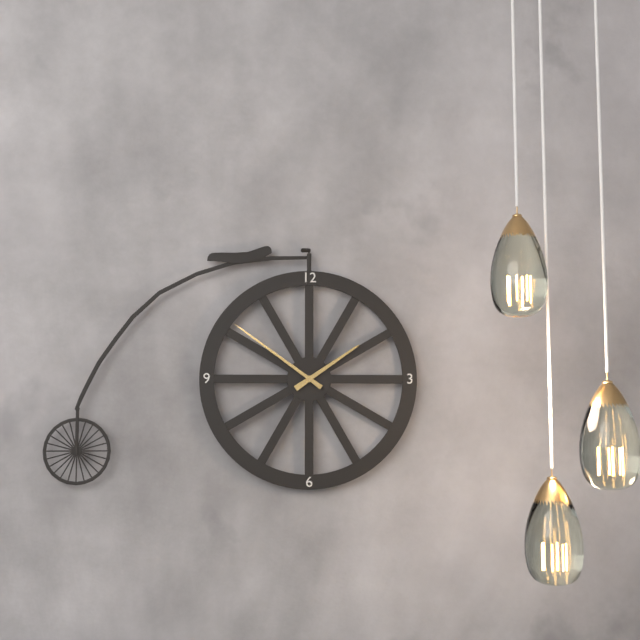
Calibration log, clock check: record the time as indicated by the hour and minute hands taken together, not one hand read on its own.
1:51
